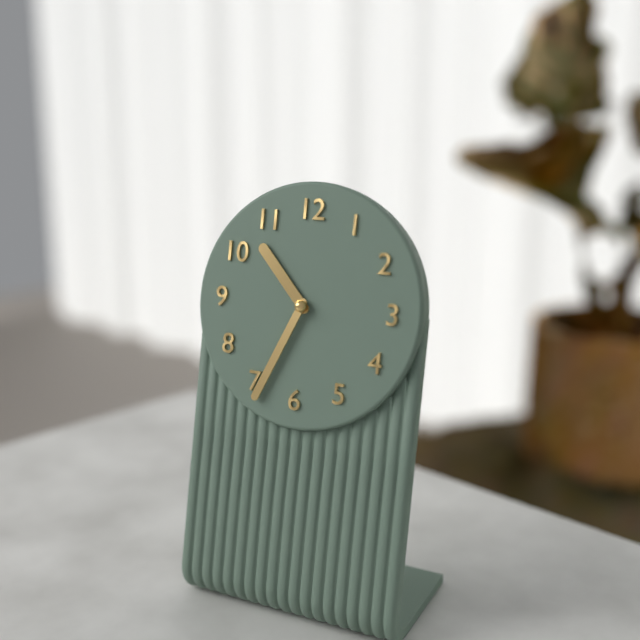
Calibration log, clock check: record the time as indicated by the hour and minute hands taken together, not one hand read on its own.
10:34
